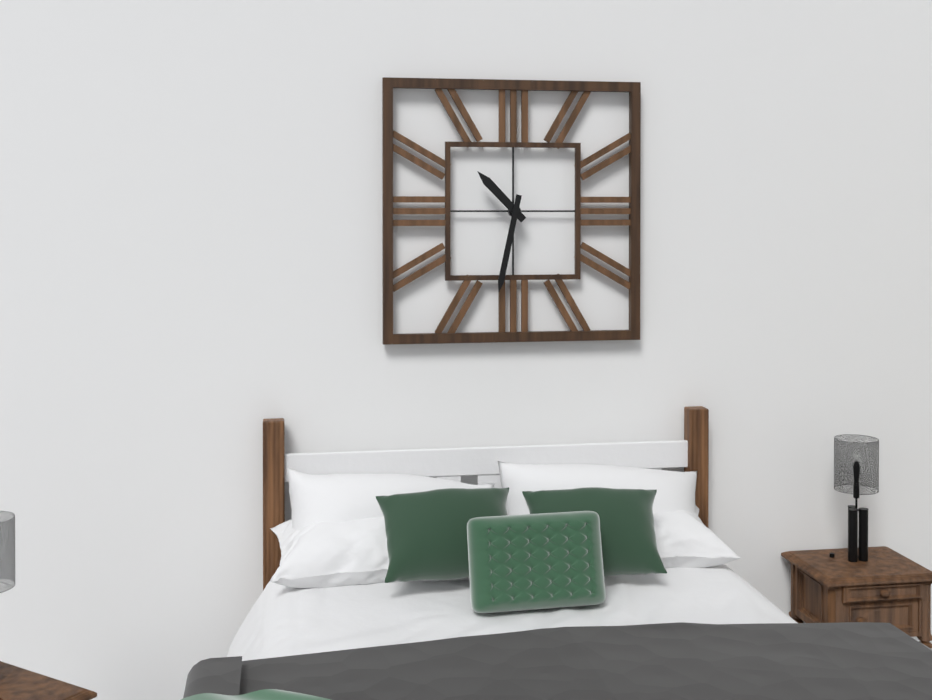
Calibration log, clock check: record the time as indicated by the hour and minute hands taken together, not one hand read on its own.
10:32
